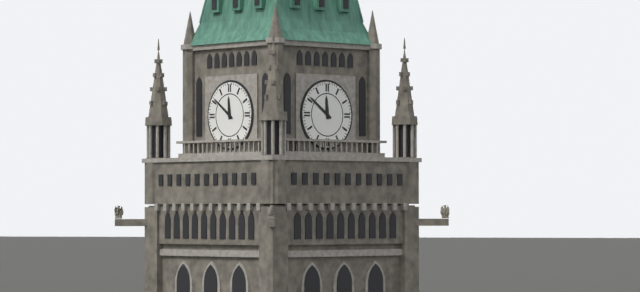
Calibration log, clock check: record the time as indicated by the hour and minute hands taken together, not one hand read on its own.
11:51
